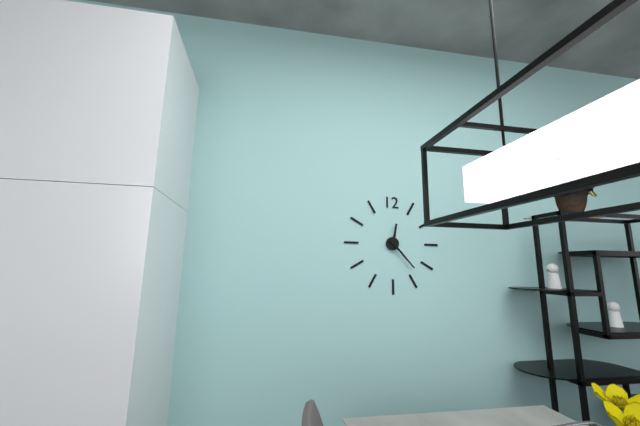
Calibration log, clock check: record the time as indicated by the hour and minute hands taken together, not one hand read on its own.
12:23
